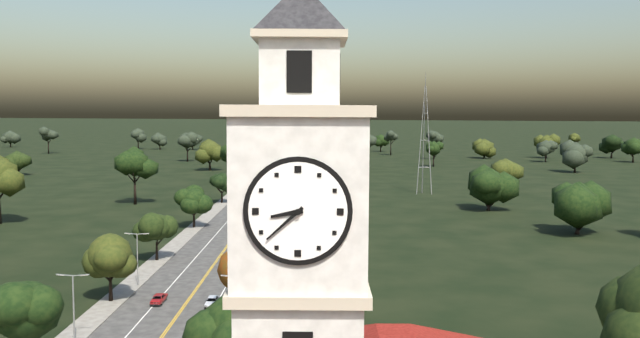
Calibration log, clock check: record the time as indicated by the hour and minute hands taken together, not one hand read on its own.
8:38
